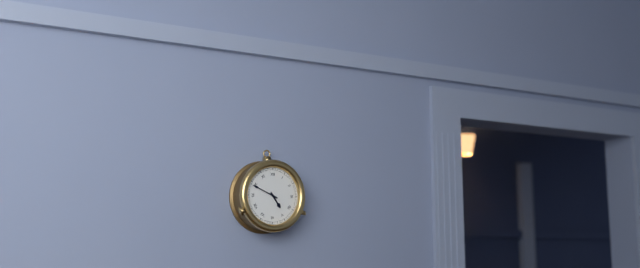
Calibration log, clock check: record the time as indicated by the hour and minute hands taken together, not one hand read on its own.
4:49
